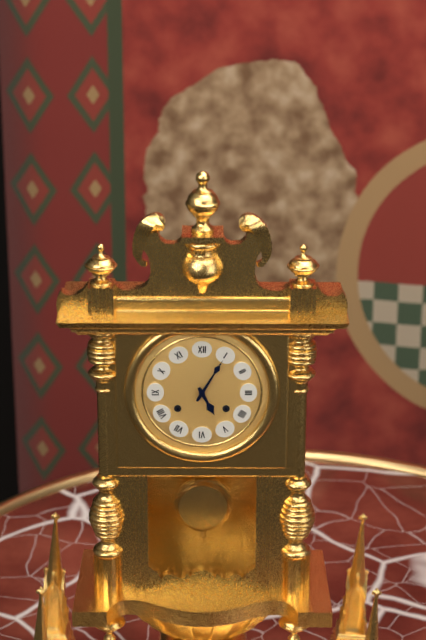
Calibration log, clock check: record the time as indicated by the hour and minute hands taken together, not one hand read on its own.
5:05
